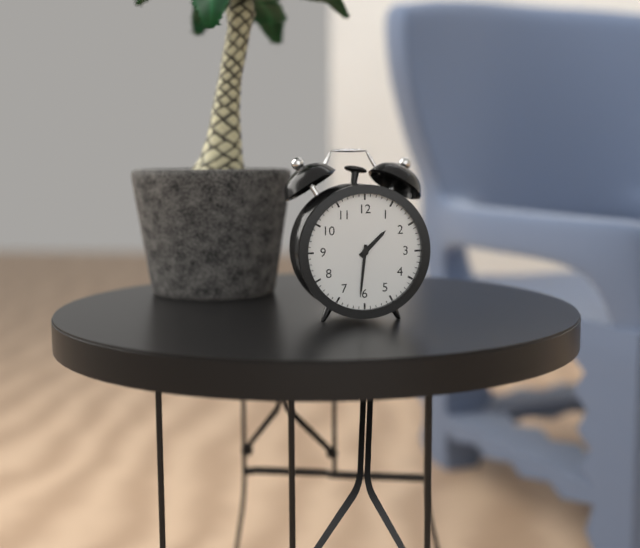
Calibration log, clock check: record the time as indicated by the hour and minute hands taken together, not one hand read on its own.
1:31
